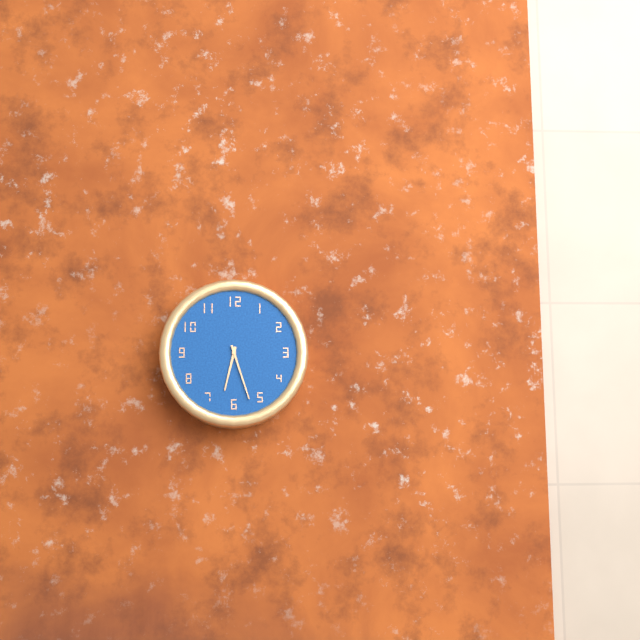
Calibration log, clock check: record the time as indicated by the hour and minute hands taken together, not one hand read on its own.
6:27
